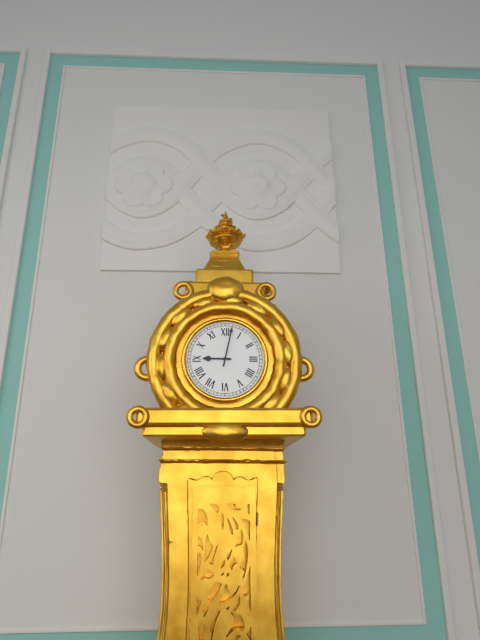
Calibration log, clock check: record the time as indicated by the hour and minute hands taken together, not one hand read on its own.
9:02
